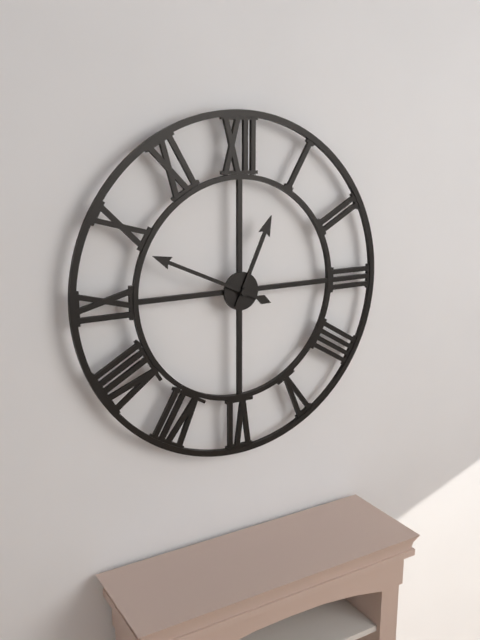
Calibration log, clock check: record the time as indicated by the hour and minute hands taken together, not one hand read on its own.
12:49
